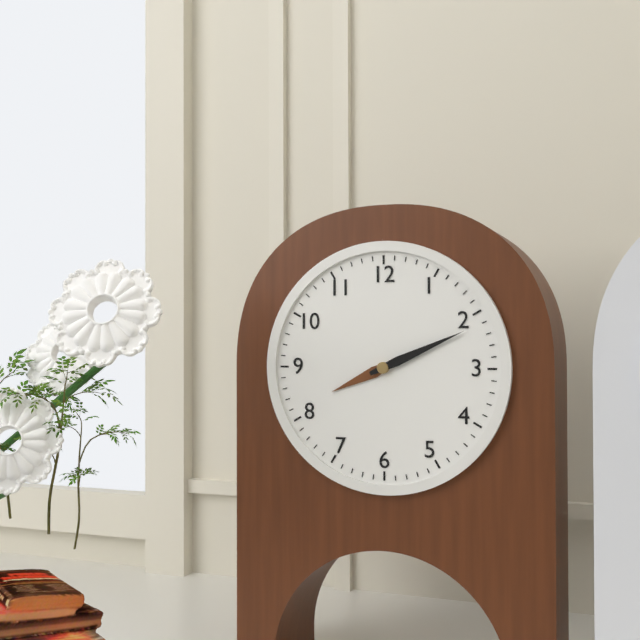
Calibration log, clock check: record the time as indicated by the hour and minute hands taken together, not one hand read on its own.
8:11
